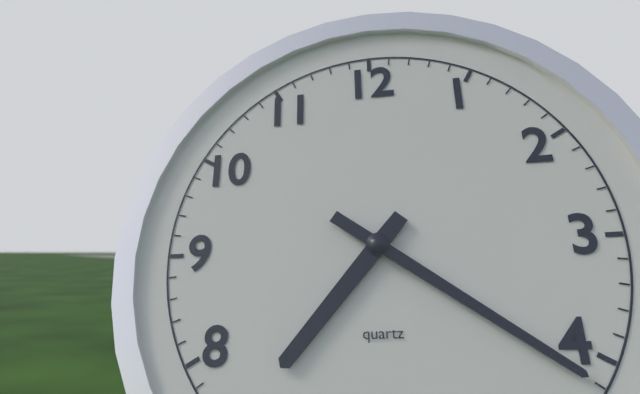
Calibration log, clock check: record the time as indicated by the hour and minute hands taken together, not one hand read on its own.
7:21
